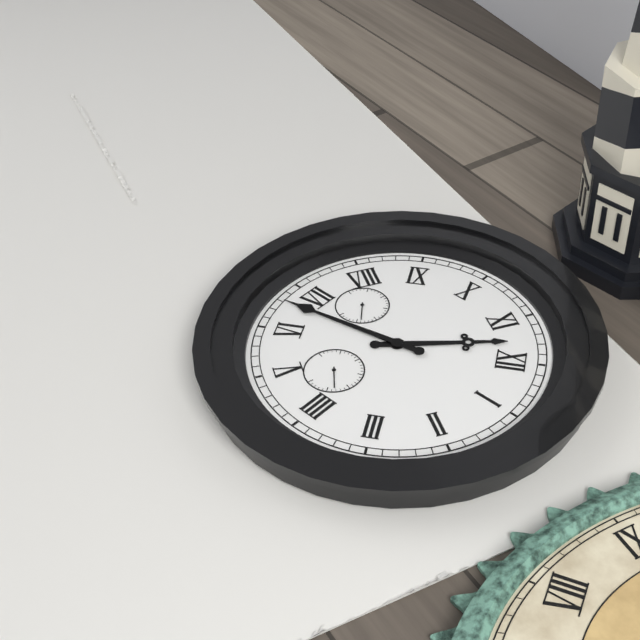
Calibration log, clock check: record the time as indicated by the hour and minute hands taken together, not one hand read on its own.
11:33
